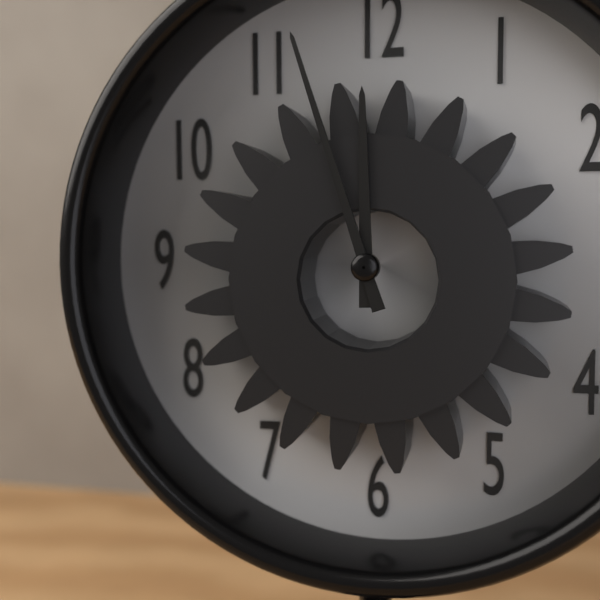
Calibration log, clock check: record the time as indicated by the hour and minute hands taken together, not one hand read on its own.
11:57
